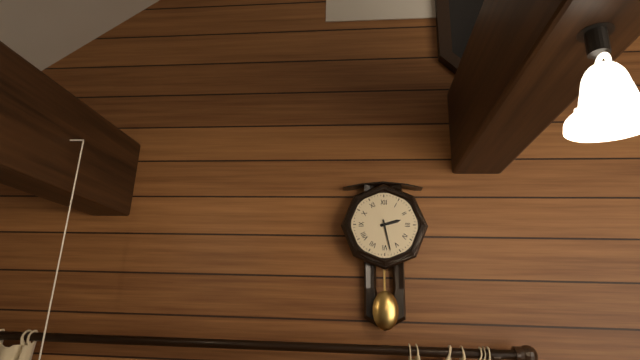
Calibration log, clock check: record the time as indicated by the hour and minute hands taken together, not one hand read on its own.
2:28
